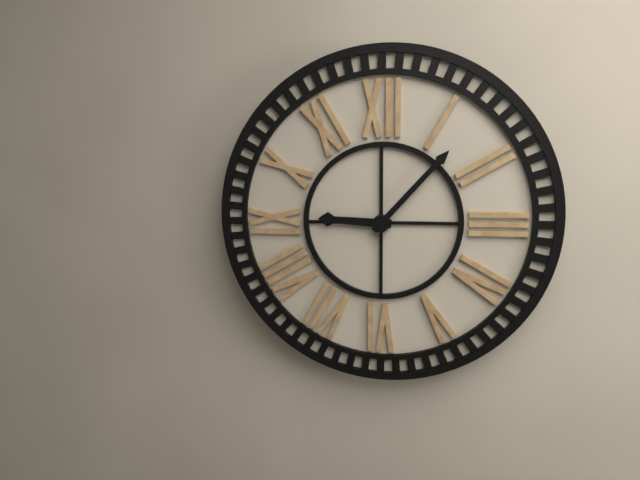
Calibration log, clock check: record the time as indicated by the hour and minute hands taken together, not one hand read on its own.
9:07
